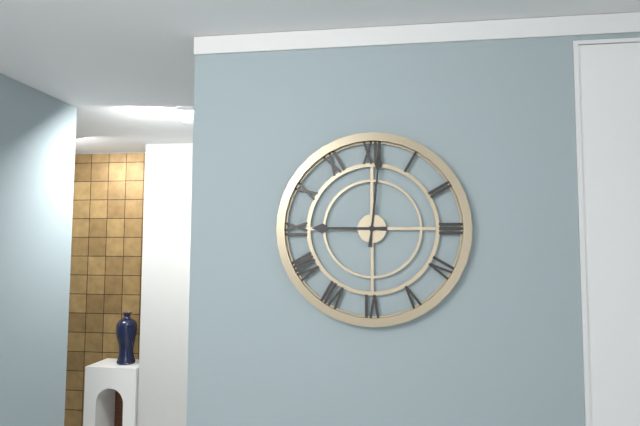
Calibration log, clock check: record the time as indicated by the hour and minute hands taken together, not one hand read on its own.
9:01
